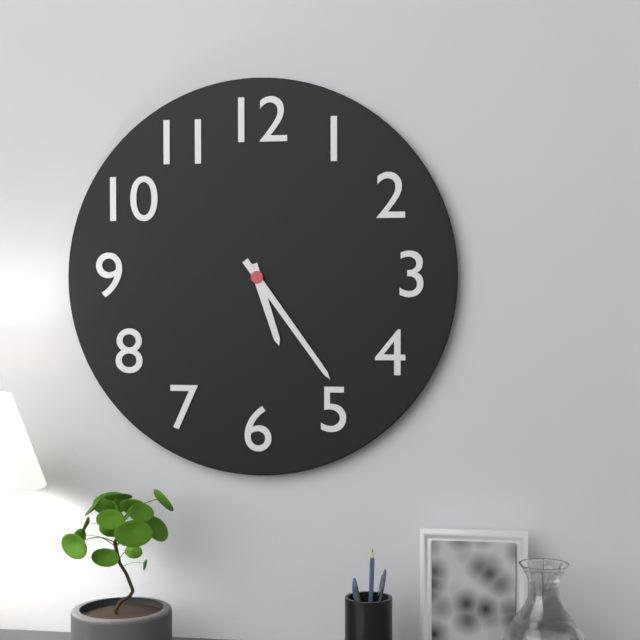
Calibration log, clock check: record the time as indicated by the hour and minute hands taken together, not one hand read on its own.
5:24
